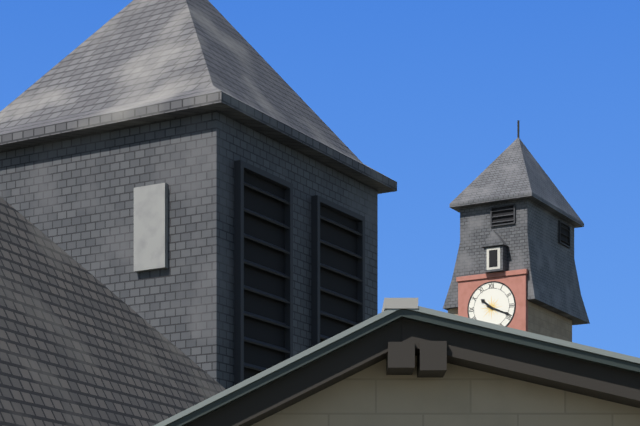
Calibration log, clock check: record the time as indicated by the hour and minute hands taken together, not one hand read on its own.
10:19
